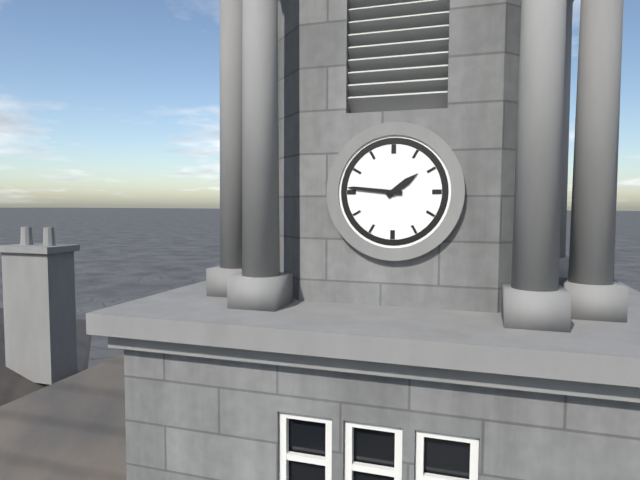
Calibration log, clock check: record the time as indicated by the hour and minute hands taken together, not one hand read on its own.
1:46
